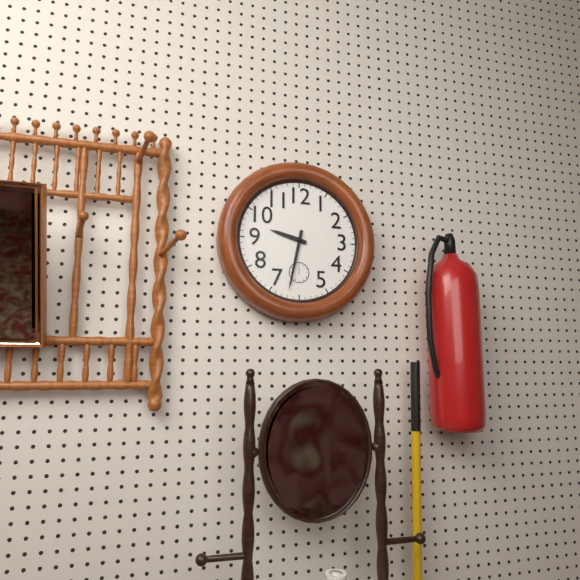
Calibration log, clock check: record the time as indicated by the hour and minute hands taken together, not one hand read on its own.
9:32
